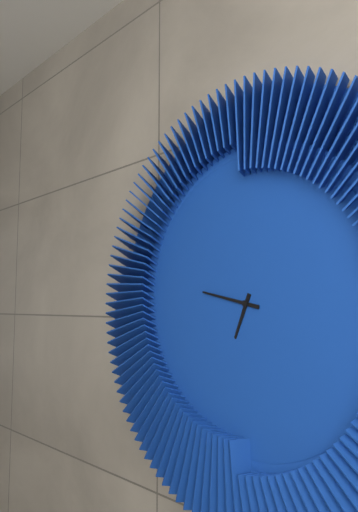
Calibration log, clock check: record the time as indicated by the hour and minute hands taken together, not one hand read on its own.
6:47
